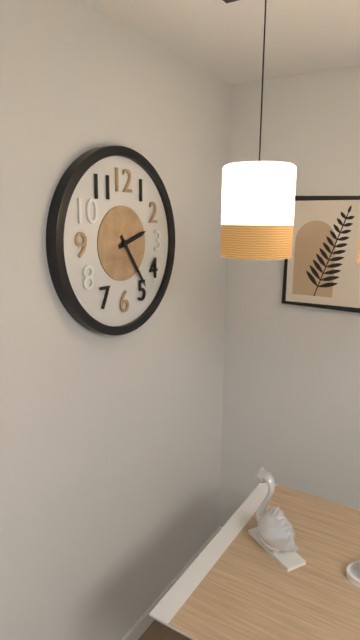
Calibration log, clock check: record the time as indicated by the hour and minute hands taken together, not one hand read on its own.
2:24
